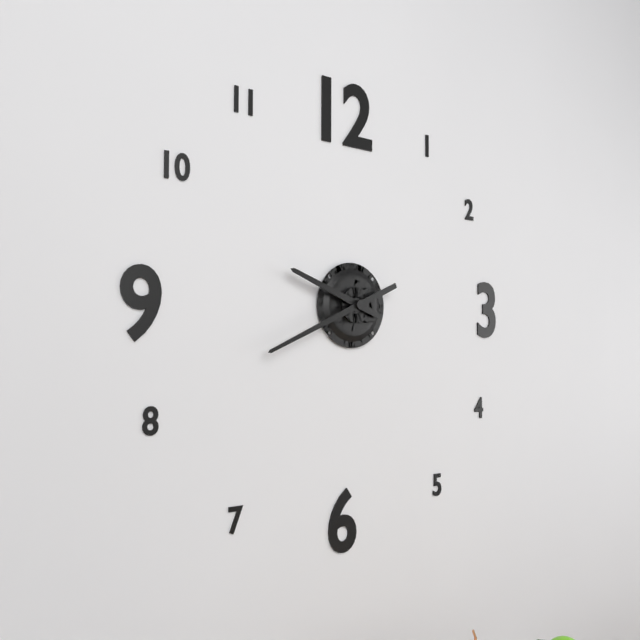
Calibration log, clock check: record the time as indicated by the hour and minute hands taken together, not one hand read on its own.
9:41
